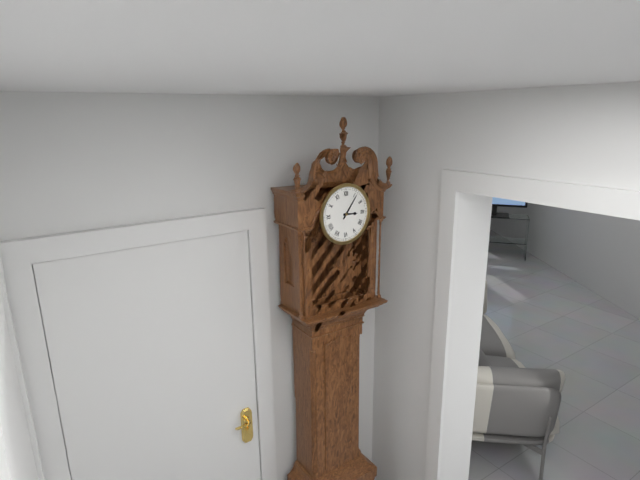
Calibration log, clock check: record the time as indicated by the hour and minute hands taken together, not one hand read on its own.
3:06
